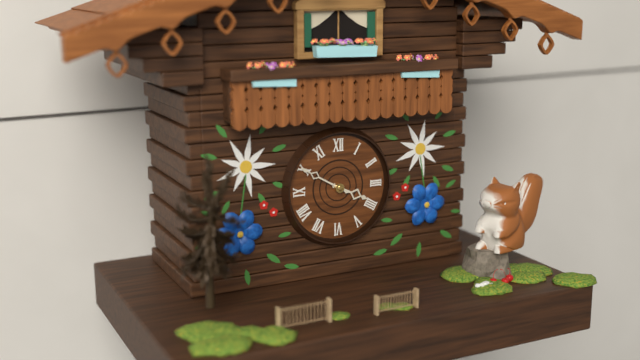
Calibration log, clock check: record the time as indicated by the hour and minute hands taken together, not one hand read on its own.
3:50
